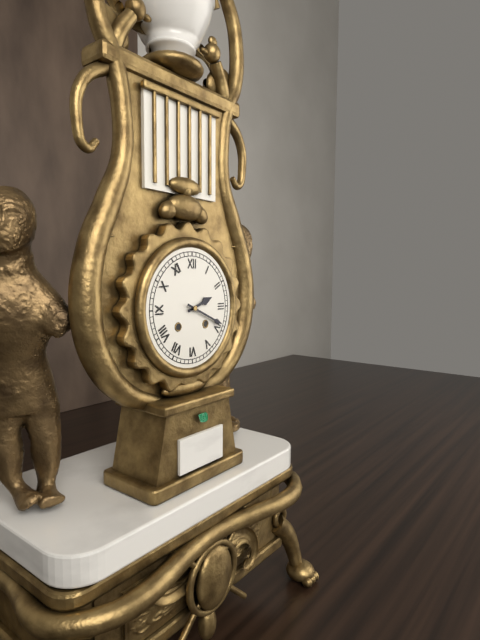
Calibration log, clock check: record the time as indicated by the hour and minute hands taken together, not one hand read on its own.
2:19
